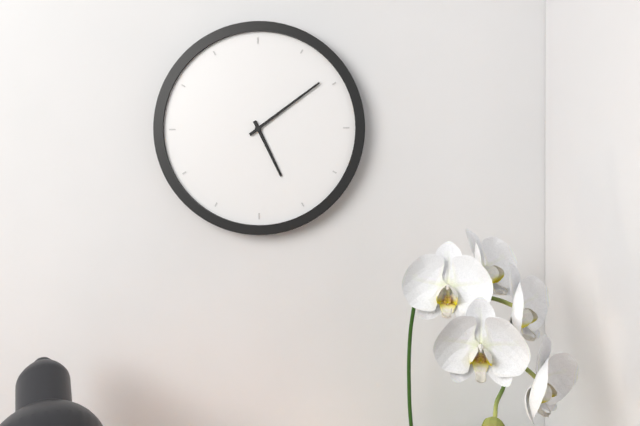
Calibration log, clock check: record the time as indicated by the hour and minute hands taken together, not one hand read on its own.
5:09
